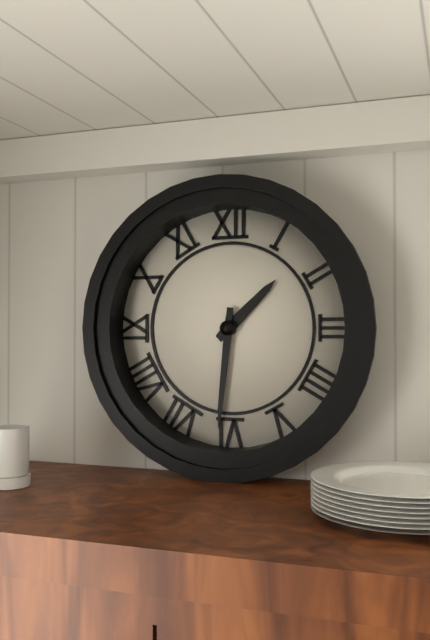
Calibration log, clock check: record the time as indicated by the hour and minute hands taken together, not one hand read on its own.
1:31
